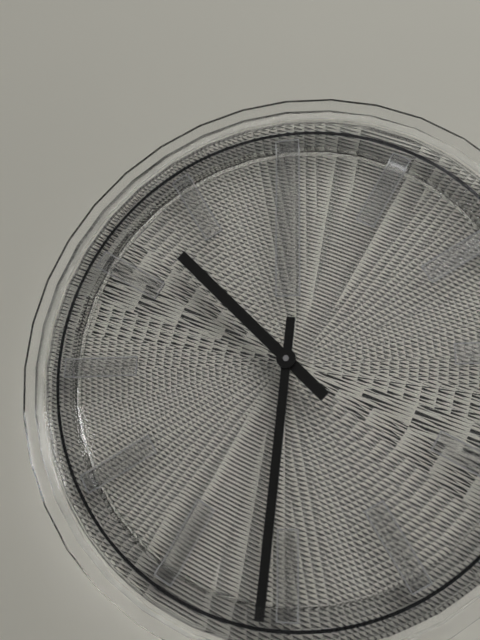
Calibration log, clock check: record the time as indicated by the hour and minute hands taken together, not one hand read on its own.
10:31
